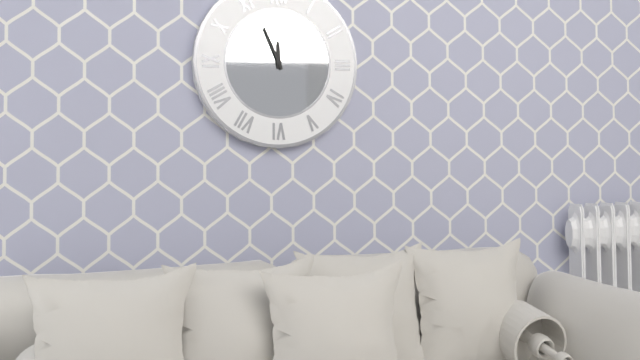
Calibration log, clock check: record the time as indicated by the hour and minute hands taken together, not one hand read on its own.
11:56
